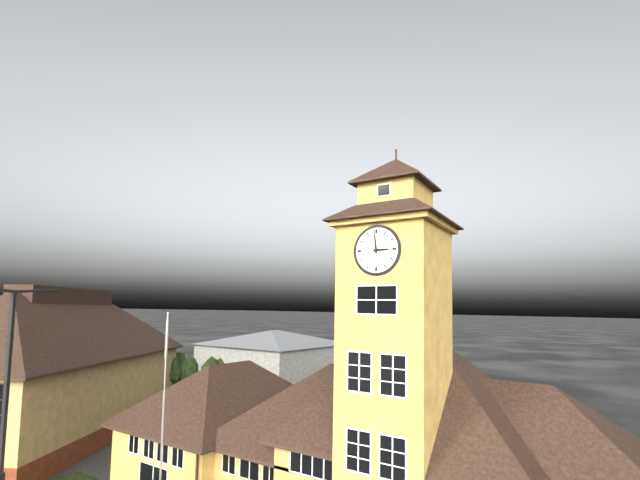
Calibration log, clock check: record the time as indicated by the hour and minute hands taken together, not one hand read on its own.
2:59
